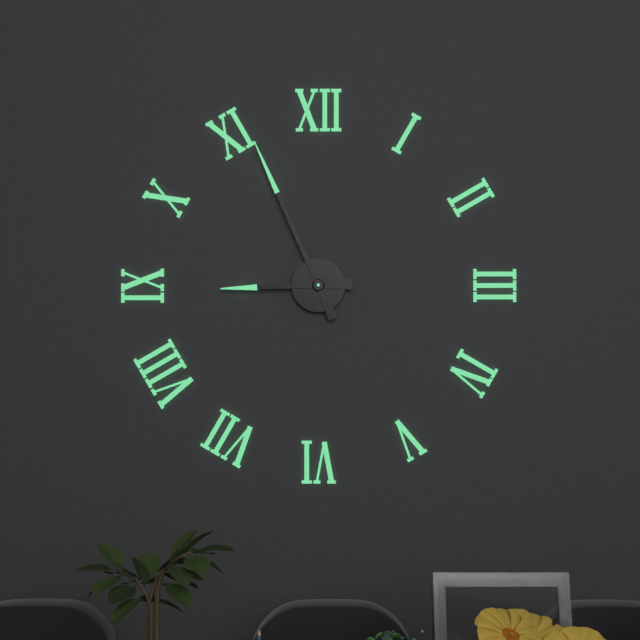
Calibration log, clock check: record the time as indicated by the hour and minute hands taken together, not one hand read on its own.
8:56
